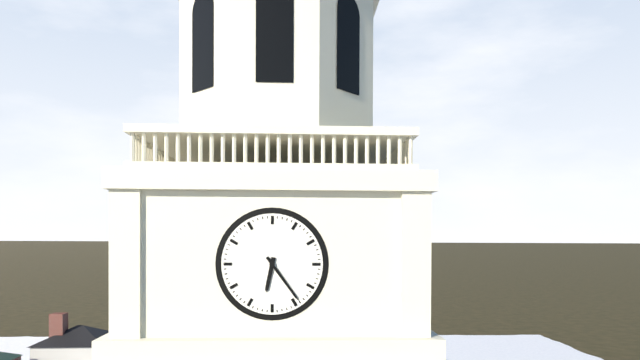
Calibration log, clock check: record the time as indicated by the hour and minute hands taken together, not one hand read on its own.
6:24
